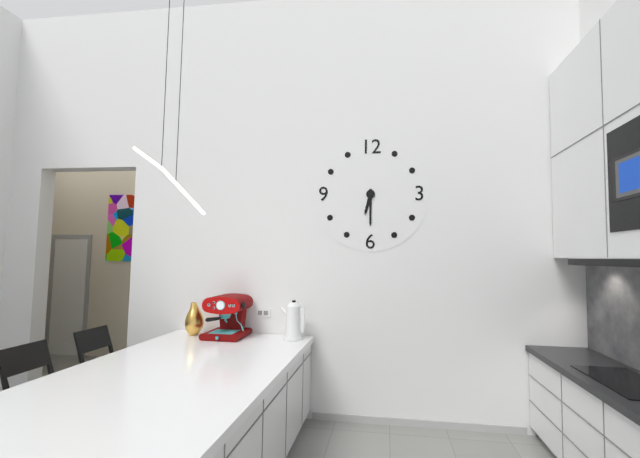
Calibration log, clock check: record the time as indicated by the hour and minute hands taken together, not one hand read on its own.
6:30
